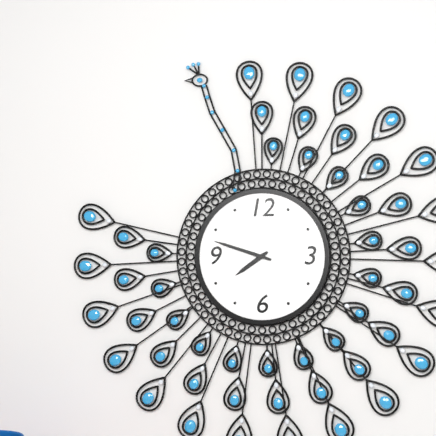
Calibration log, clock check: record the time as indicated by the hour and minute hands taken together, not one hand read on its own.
7:48
